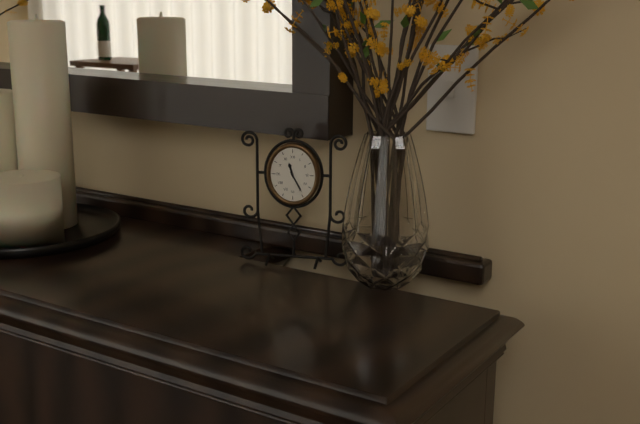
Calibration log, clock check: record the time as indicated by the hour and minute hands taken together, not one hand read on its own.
11:25
